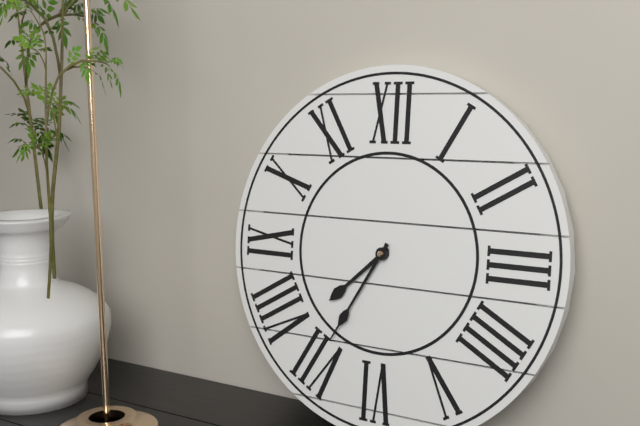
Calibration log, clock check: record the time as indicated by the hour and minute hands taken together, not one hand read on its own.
7:35
